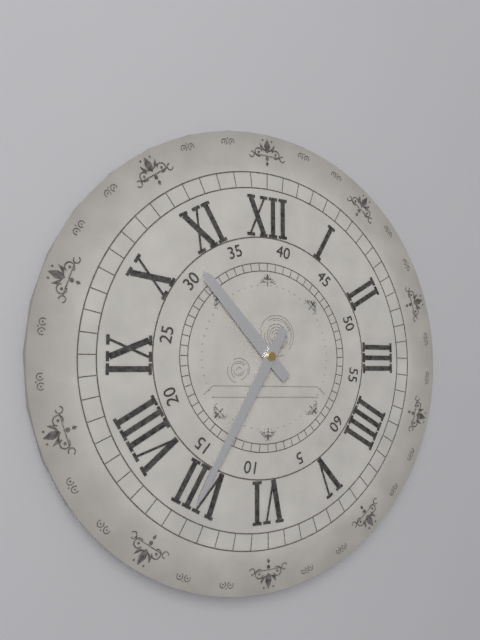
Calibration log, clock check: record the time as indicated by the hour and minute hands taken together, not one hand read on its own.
10:35
